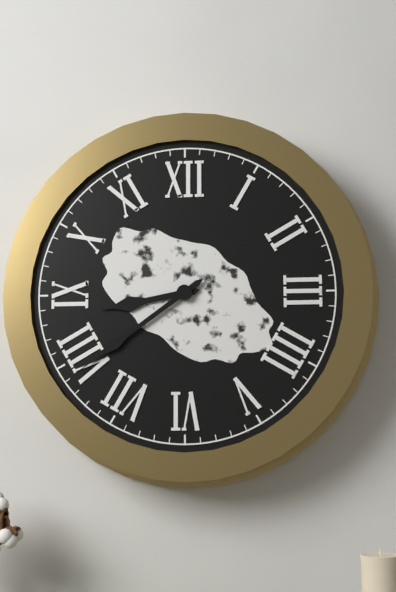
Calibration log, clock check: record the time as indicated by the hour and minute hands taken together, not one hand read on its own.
8:39
